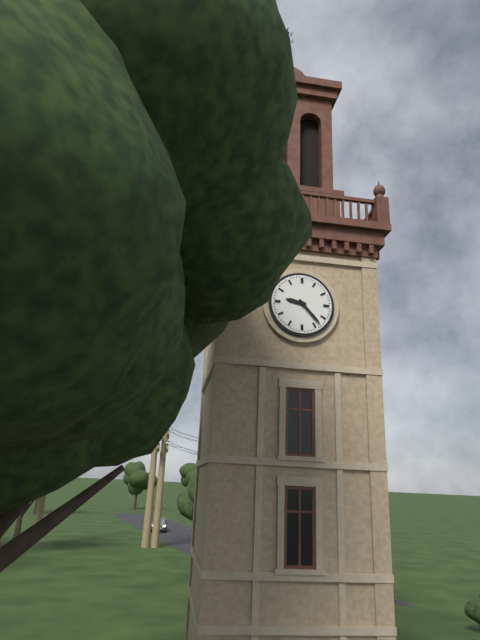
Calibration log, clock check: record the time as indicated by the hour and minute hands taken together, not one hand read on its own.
9:23
